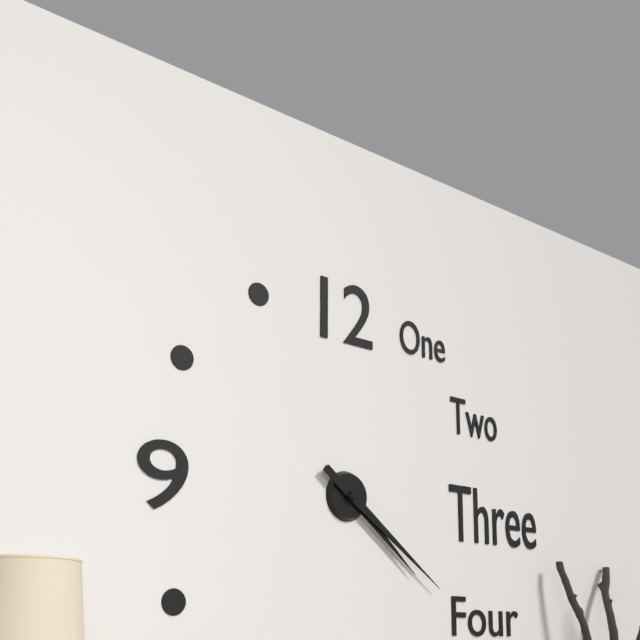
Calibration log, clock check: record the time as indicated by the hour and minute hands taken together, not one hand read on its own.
4:21
